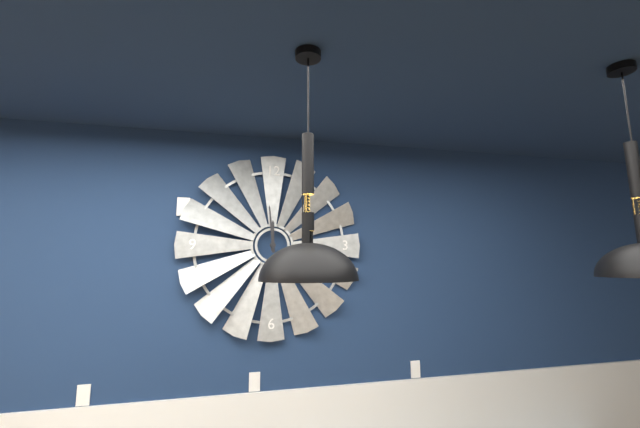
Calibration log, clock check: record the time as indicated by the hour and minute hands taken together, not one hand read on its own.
11:59
